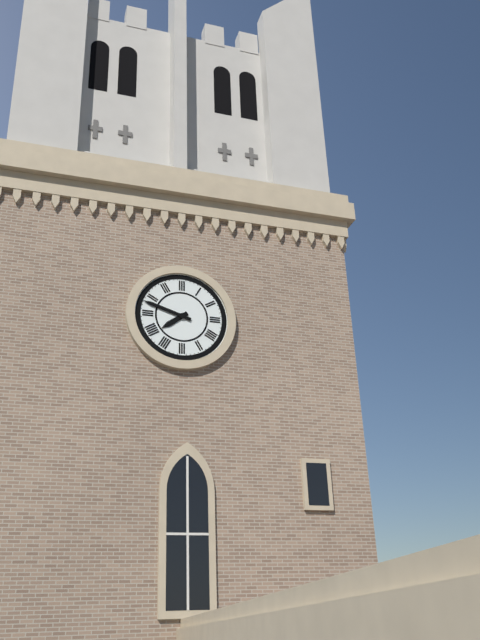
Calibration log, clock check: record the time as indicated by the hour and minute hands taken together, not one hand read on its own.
7:48
